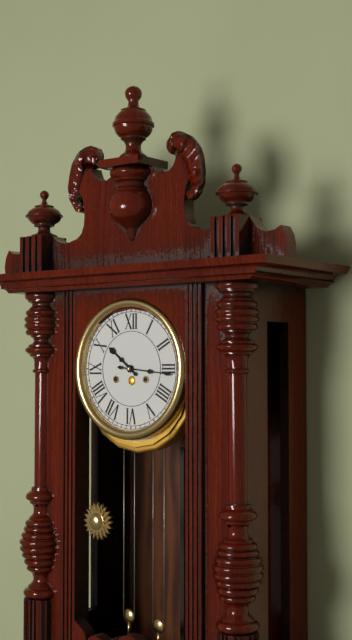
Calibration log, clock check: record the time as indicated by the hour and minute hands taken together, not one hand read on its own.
10:16
